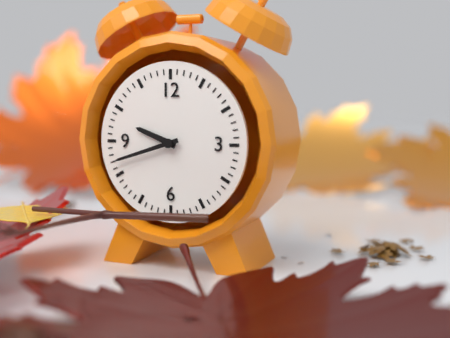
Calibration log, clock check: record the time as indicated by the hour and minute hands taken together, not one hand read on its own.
9:42
